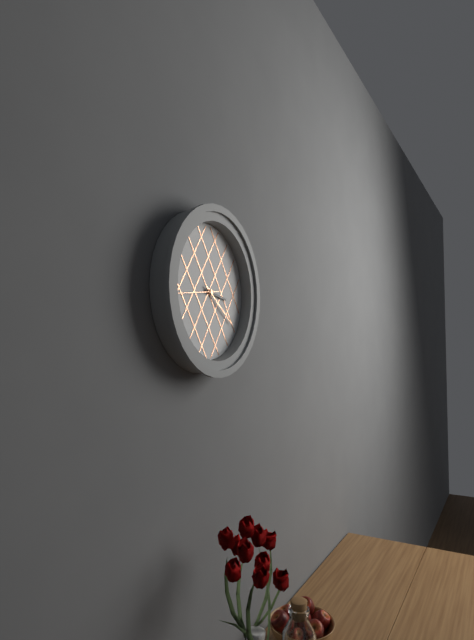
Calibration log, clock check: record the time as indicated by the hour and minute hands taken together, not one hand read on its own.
3:21
